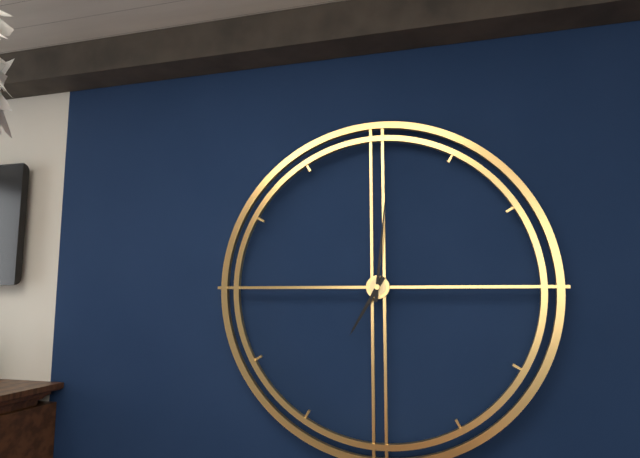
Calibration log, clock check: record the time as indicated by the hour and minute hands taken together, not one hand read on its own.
7:01
